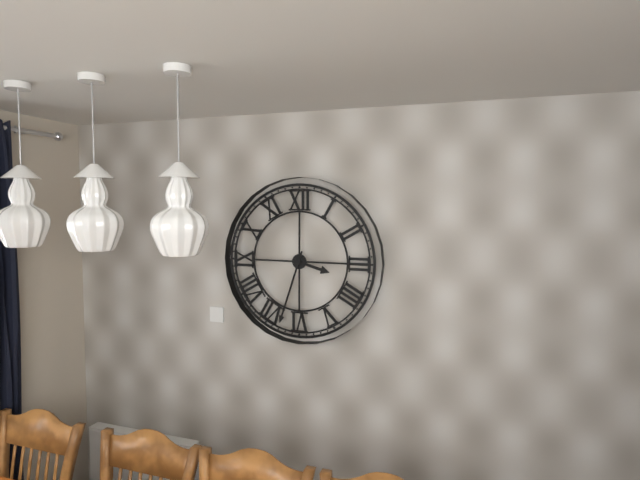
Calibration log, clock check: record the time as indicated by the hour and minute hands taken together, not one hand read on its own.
3:33
